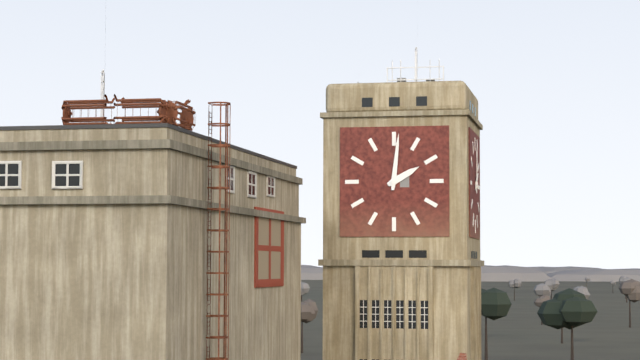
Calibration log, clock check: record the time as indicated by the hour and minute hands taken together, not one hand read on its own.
2:01
